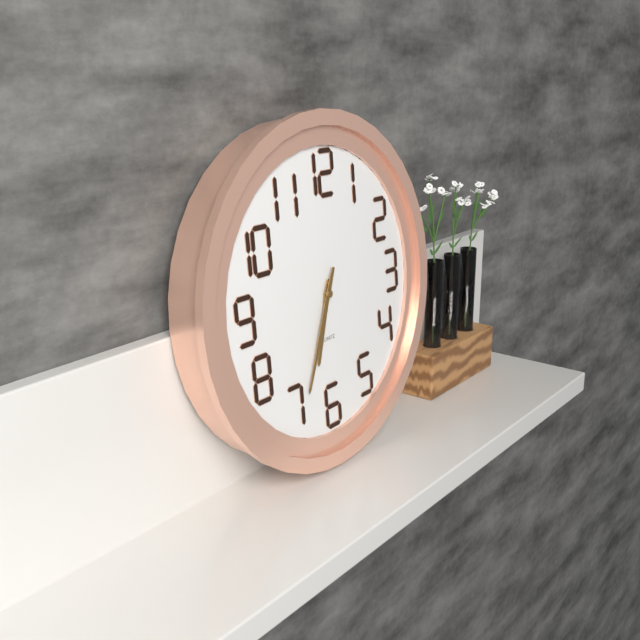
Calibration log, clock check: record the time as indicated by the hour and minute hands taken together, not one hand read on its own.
6:34
